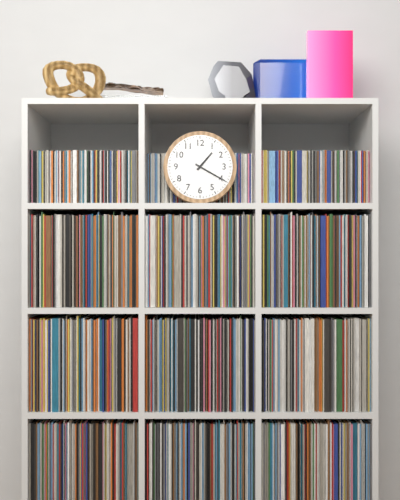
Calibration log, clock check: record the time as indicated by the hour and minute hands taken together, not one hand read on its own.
1:20
